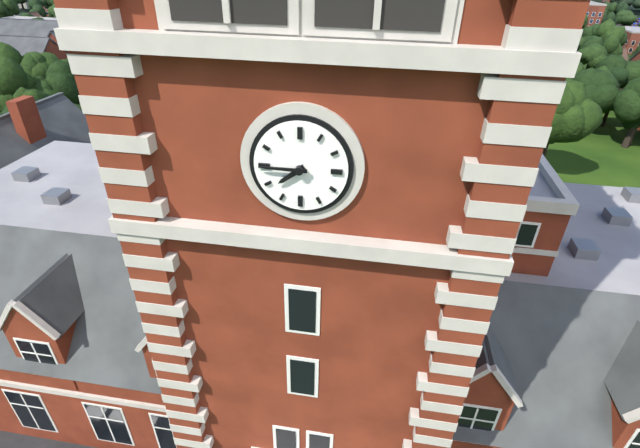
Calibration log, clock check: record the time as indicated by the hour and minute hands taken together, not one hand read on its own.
7:45
